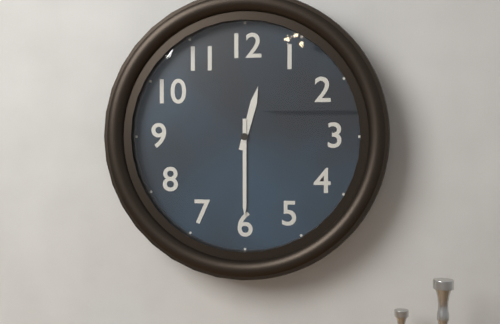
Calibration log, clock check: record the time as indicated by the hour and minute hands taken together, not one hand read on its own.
12:30
